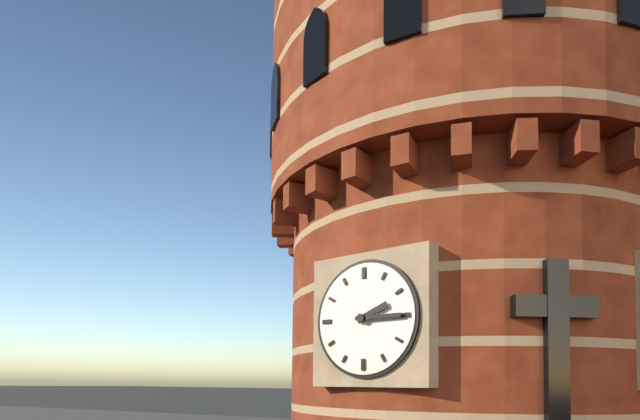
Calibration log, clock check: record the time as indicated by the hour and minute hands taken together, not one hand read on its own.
2:15
